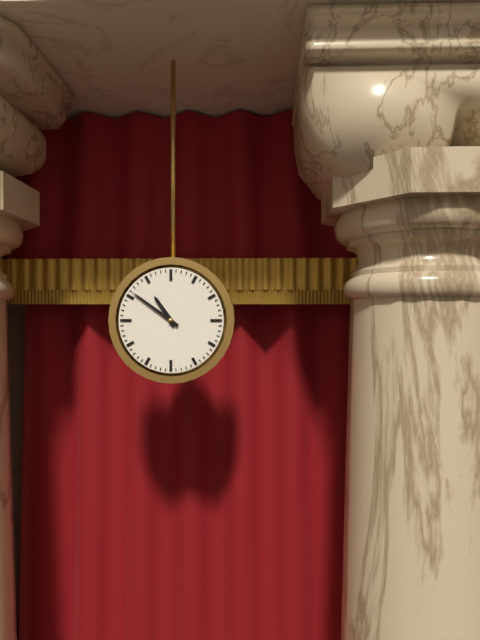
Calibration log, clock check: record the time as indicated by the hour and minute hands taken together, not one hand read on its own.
10:51
